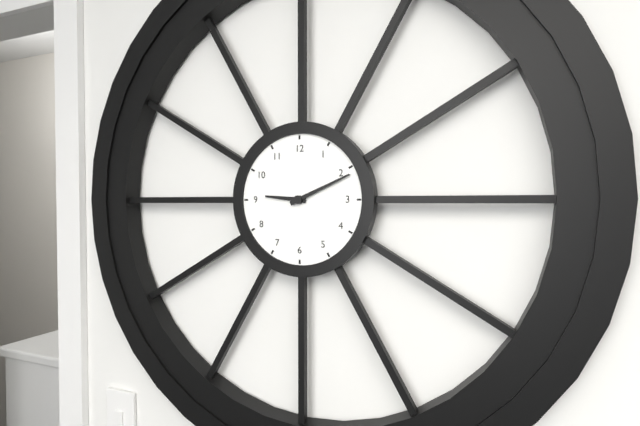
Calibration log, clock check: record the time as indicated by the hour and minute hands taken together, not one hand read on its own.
9:11
